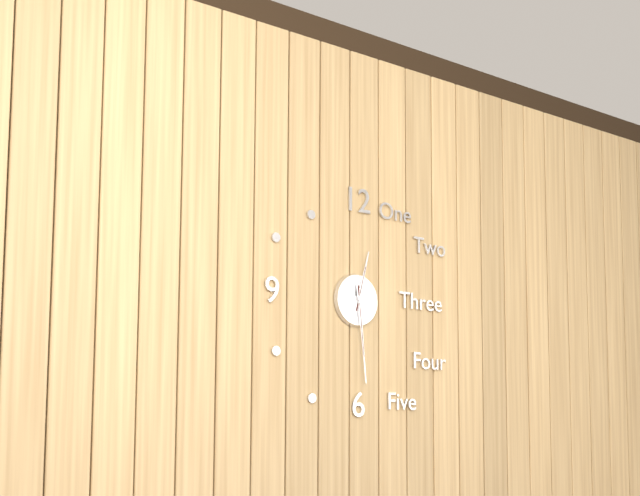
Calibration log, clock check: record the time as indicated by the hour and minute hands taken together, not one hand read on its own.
12:29
